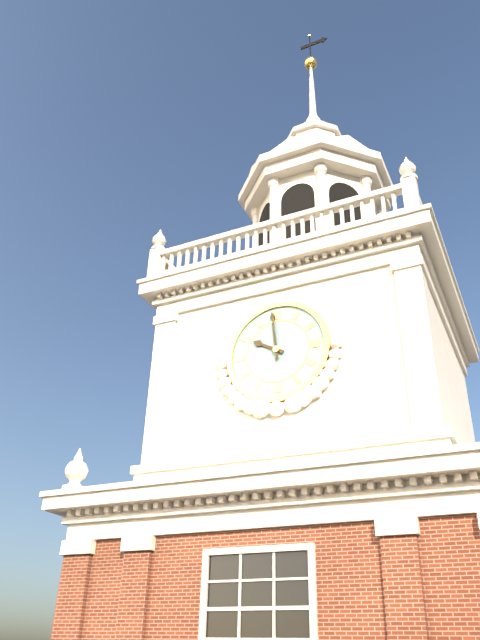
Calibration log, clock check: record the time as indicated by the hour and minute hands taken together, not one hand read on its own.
9:59
